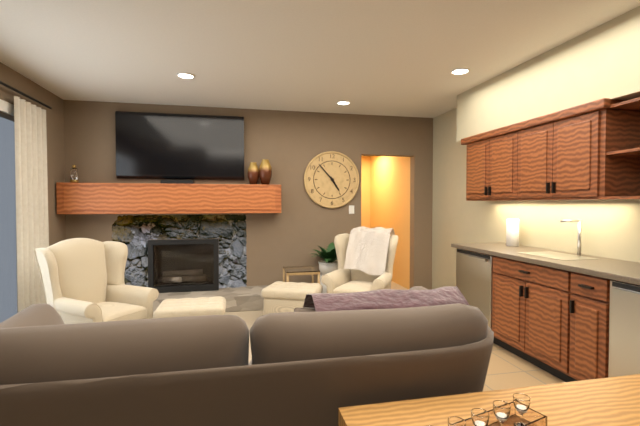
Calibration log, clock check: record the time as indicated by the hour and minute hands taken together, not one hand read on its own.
4:53
